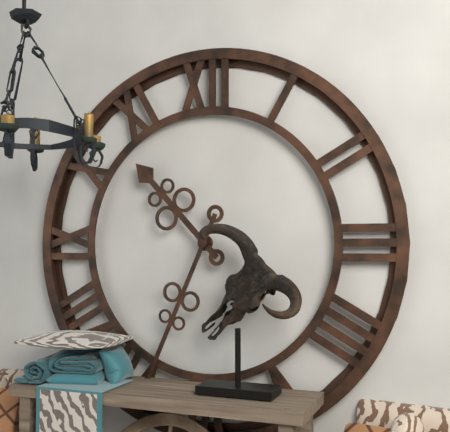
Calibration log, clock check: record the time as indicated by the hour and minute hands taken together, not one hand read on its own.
10:34
